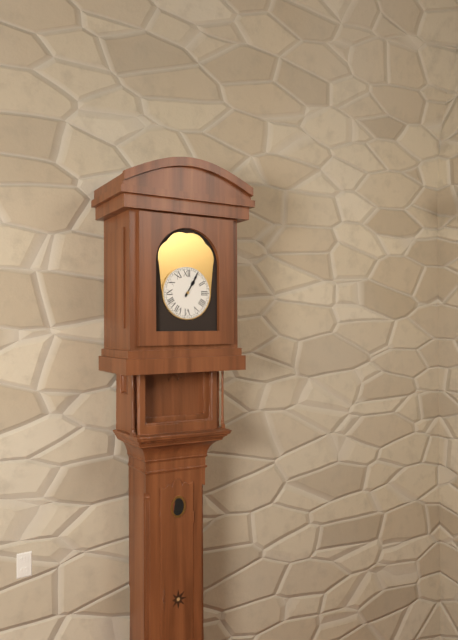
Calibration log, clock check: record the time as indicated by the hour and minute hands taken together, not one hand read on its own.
1:05
